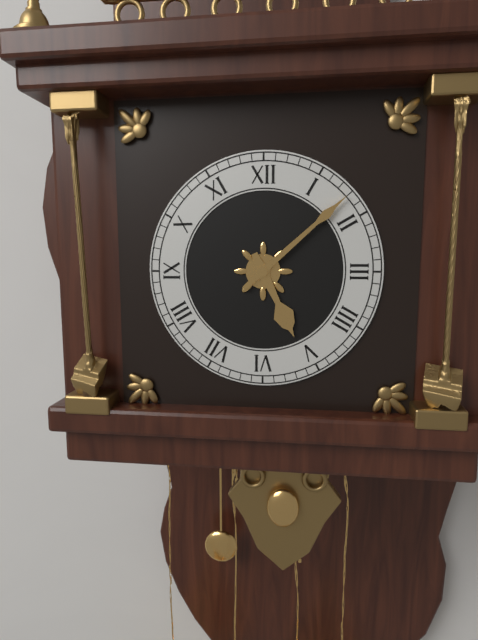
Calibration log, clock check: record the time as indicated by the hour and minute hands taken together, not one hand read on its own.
5:08
